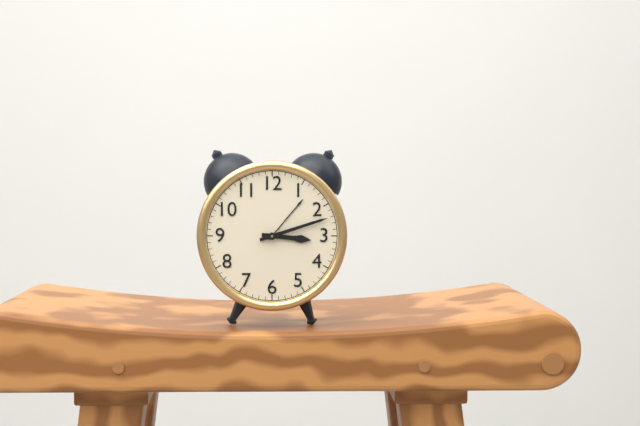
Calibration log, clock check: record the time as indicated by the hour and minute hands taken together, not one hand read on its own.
3:12
